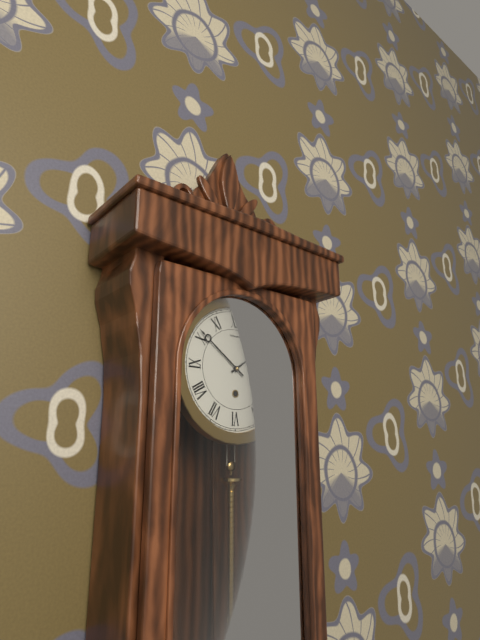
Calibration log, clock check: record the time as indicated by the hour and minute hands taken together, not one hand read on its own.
1:51
